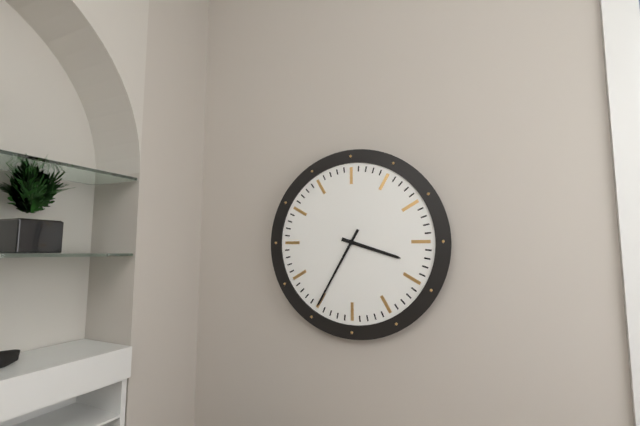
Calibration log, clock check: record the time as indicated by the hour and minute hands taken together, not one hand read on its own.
3:35
